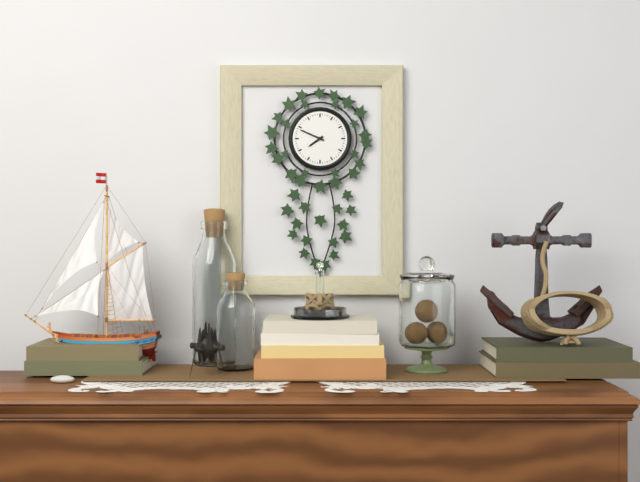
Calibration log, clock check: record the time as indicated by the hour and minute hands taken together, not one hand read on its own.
7:49
